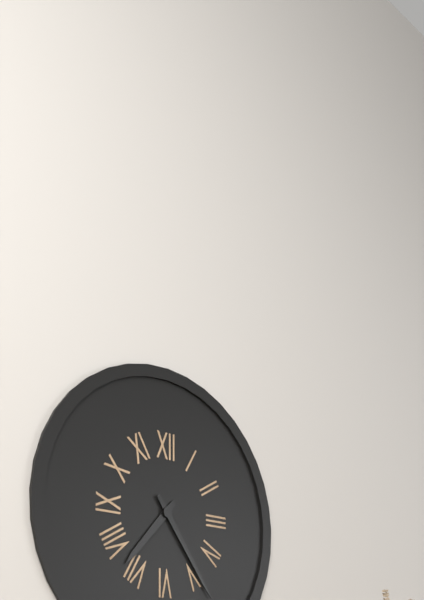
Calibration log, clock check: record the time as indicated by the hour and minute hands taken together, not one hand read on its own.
7:24
